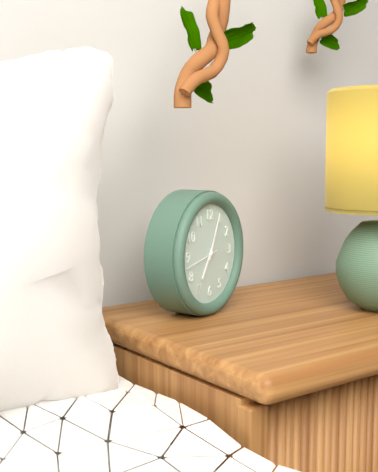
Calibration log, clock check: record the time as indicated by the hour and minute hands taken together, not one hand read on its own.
7:04
